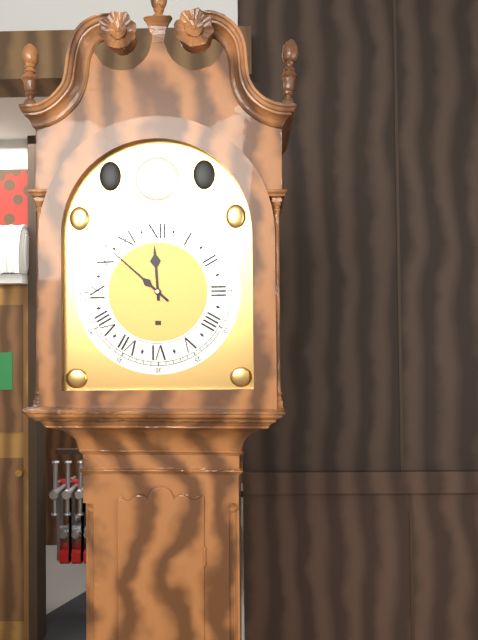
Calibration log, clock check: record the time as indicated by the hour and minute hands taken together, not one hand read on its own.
11:52
